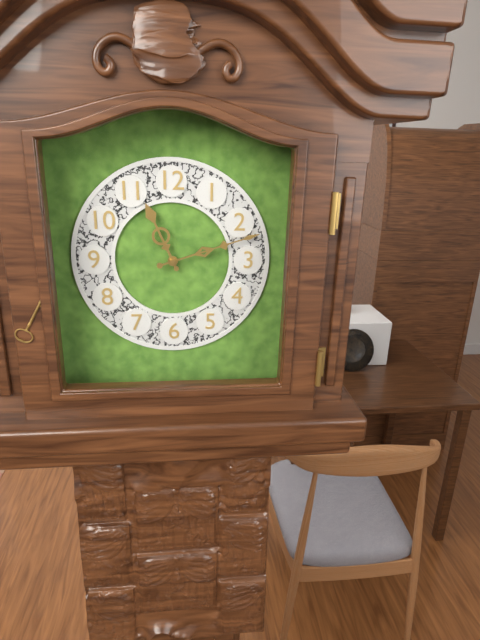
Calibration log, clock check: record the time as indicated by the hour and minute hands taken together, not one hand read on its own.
11:12
